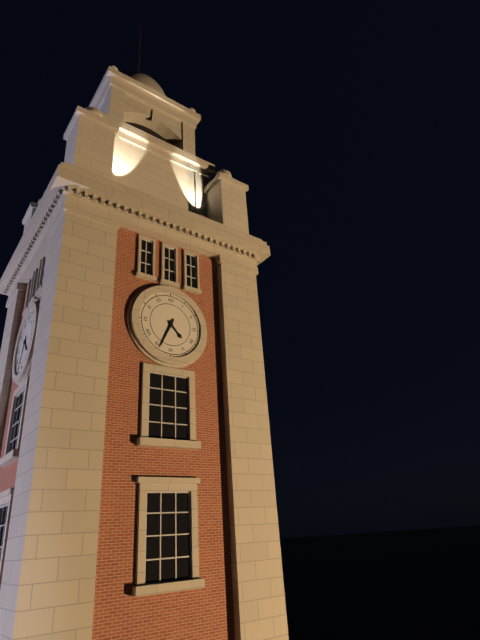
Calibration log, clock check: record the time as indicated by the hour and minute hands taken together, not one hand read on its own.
4:34
